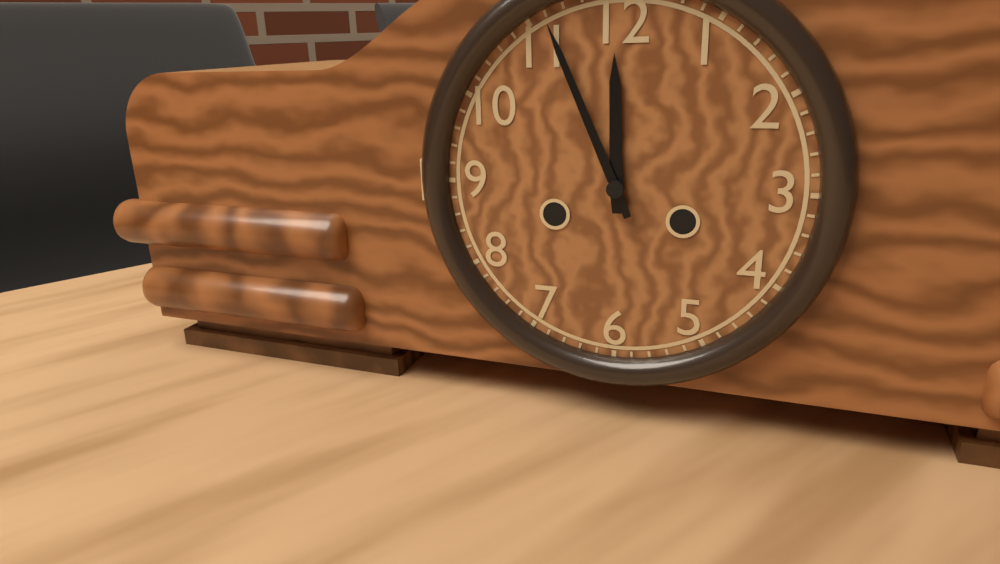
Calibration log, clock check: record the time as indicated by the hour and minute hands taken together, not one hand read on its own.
11:56
